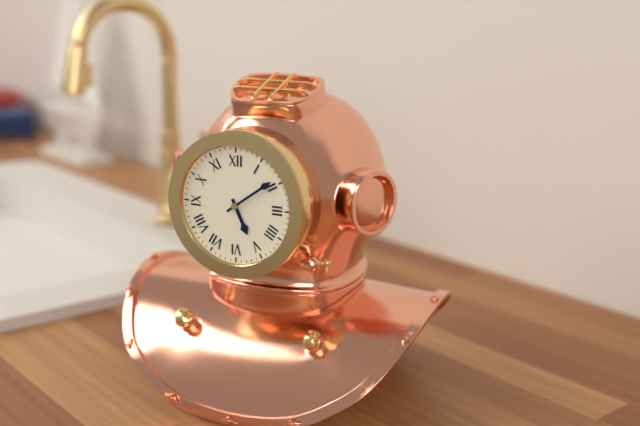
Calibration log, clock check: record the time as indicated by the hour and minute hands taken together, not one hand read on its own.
5:09
